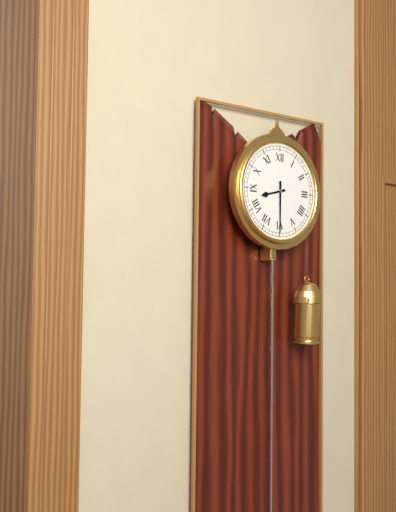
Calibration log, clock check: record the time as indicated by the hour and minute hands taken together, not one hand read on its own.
8:30
